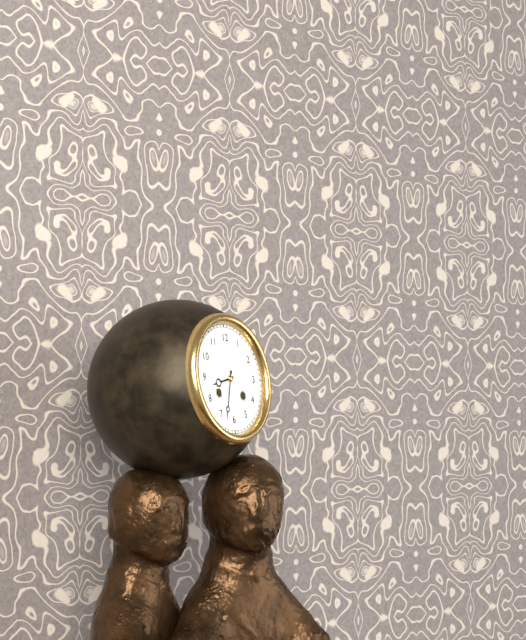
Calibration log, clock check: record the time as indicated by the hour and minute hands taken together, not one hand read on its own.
8:33
